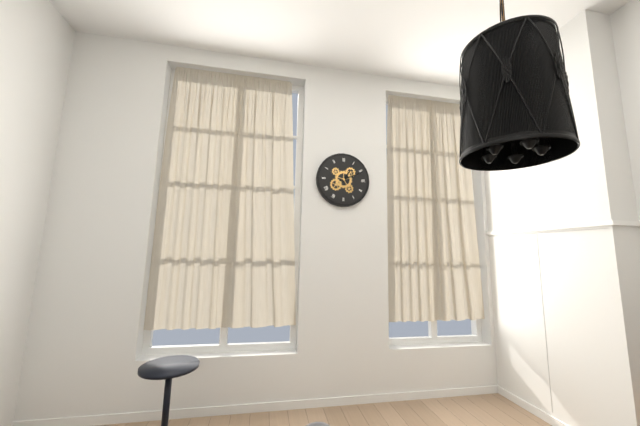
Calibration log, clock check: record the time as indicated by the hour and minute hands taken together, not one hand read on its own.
1:11
